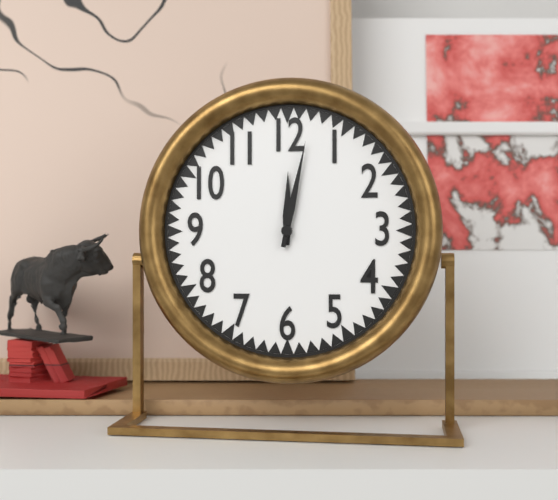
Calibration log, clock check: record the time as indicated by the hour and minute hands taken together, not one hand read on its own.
12:02
